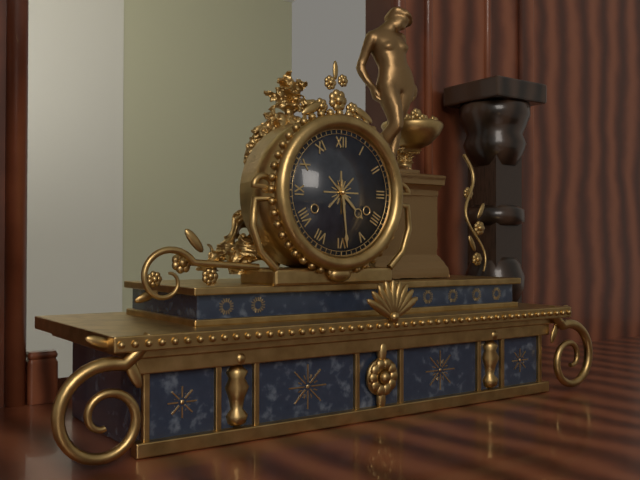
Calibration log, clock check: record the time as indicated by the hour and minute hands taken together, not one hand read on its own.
4:29
